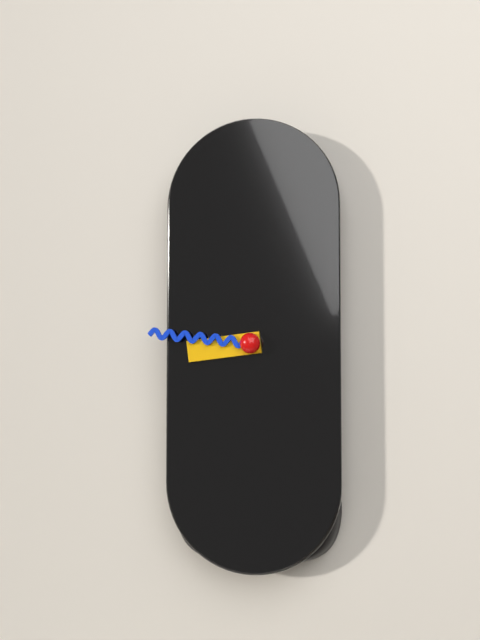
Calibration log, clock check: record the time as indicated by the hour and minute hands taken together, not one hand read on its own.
8:46
